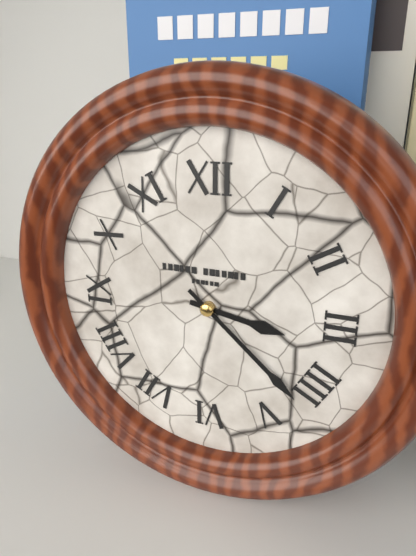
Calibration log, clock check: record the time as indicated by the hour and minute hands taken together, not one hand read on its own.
3:22
